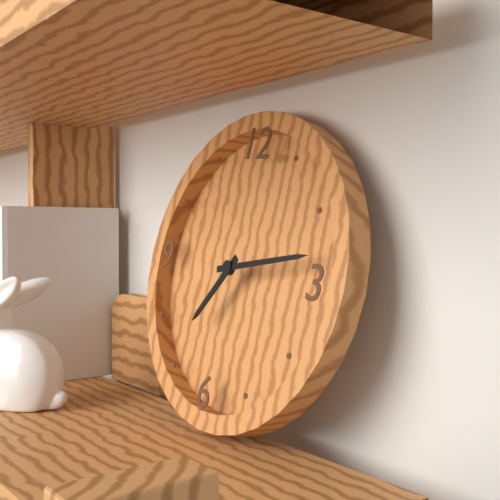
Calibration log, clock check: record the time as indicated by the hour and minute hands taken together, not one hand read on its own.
7:13
